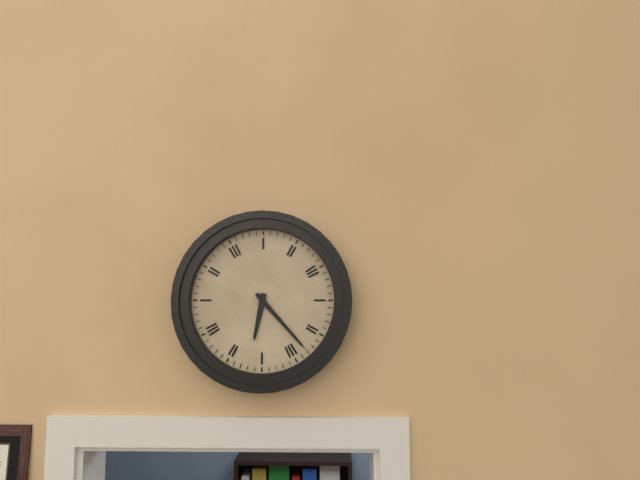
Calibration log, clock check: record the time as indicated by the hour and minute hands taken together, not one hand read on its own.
6:23
